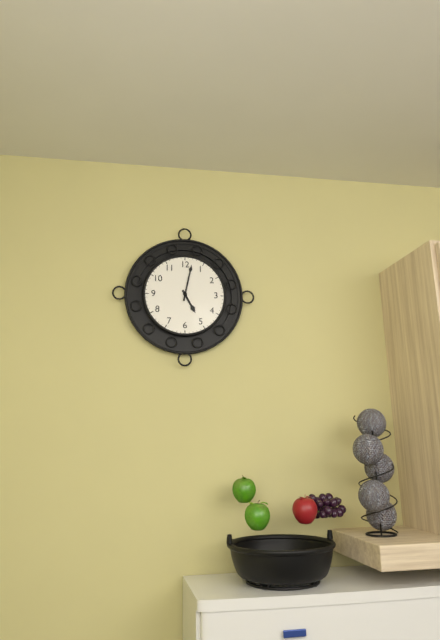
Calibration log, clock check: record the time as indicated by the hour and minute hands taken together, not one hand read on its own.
5:02
